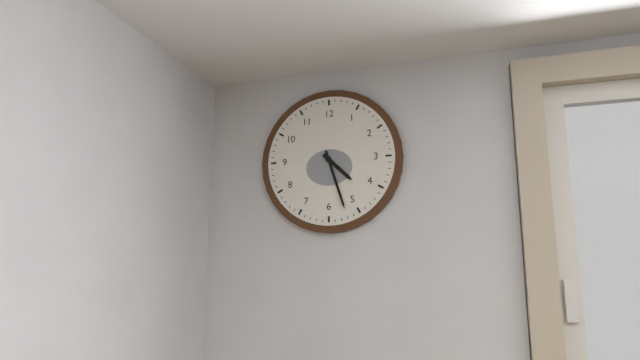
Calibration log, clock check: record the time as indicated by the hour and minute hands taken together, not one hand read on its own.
4:27
